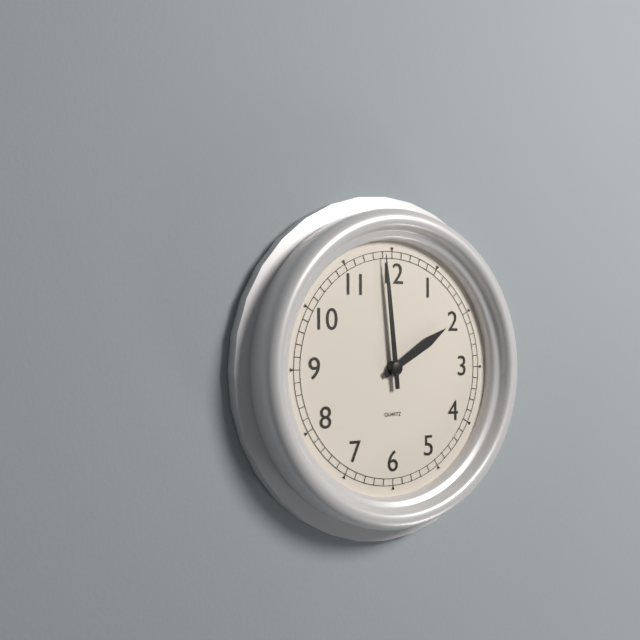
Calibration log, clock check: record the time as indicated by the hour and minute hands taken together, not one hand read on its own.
1:59
